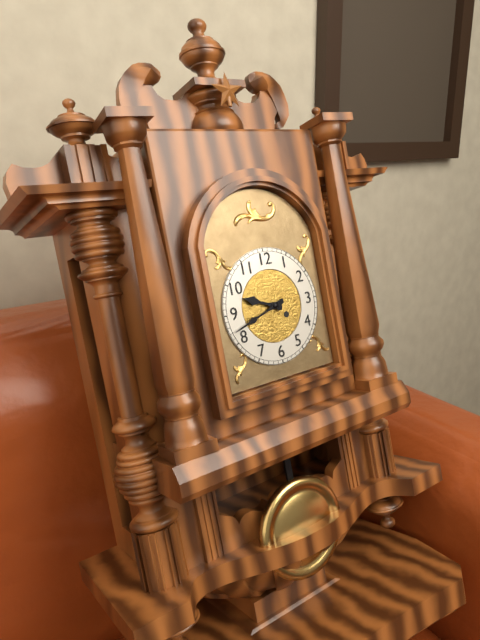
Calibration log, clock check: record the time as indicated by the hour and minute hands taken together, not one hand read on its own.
9:42
